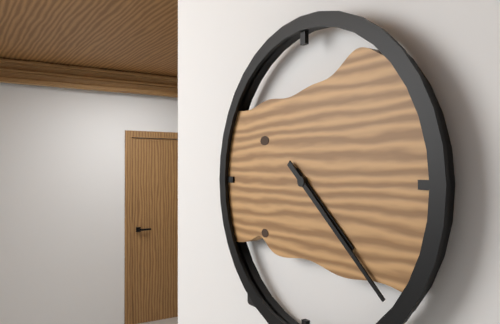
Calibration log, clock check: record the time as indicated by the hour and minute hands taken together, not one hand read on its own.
4:22
